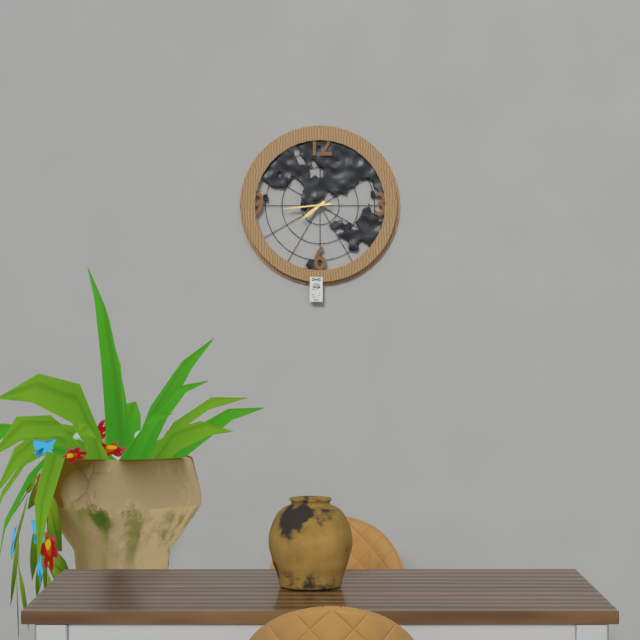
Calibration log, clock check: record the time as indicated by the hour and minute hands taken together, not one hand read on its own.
7:44
